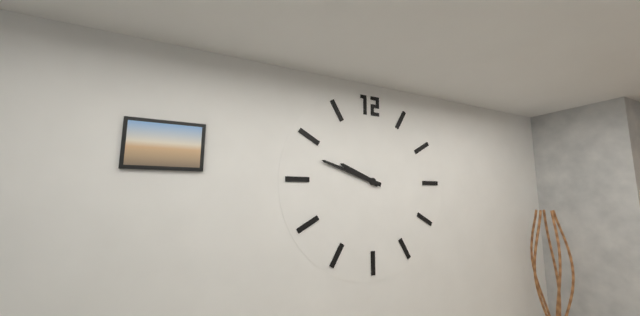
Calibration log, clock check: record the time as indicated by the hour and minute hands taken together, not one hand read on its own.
9:48
